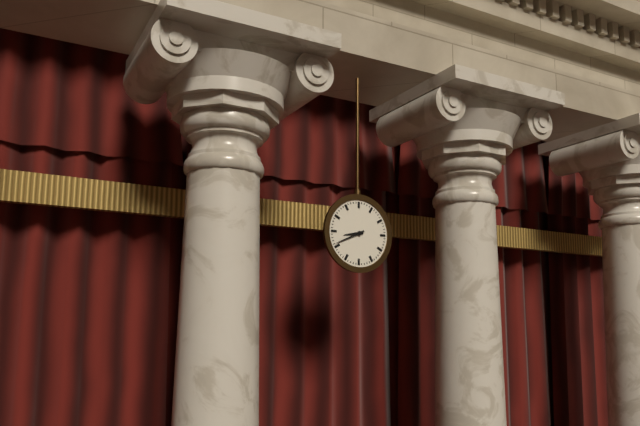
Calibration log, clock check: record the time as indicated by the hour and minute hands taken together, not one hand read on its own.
8:41
